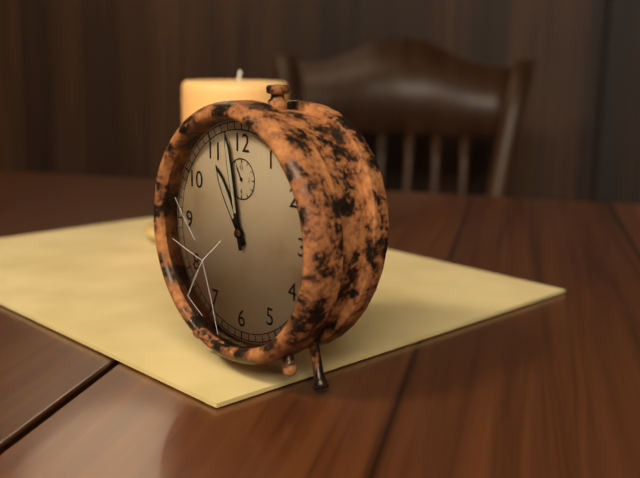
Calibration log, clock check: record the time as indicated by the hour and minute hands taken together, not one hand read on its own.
10:58
